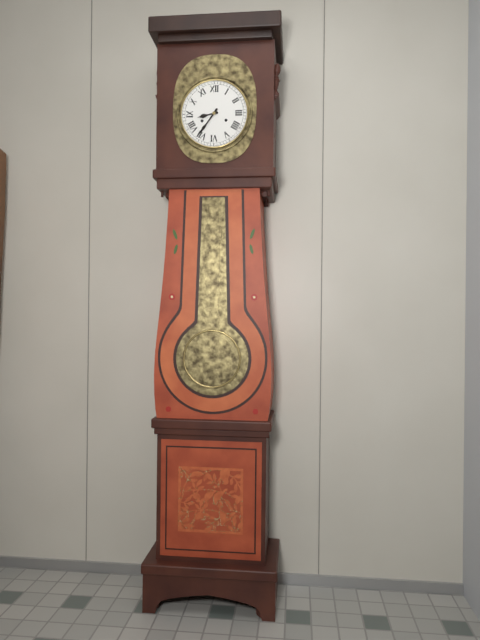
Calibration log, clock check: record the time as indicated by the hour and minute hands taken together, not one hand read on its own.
8:36
